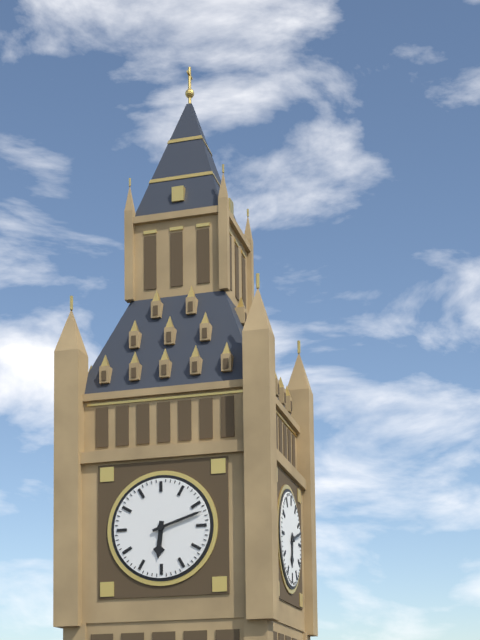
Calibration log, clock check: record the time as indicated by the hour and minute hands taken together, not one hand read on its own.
6:12
